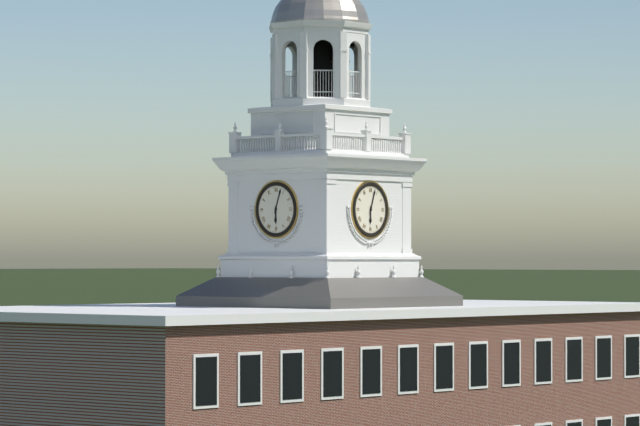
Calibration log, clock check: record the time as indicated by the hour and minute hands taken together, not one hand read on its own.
6:03
